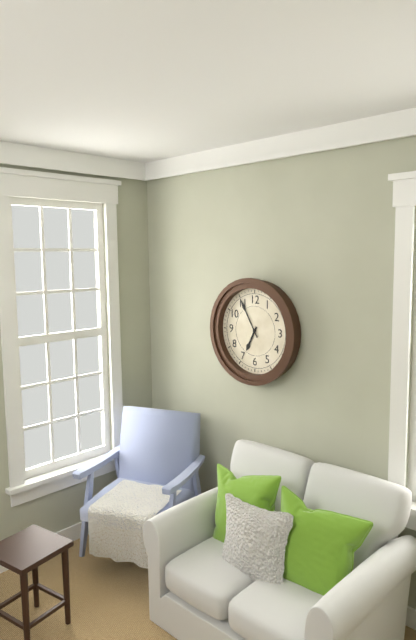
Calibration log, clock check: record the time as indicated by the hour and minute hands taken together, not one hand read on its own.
6:55
